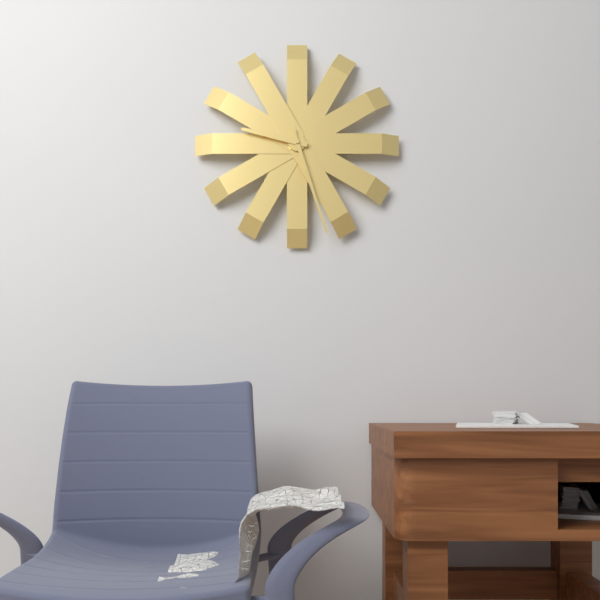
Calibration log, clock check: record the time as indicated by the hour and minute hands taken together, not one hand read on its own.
9:27
